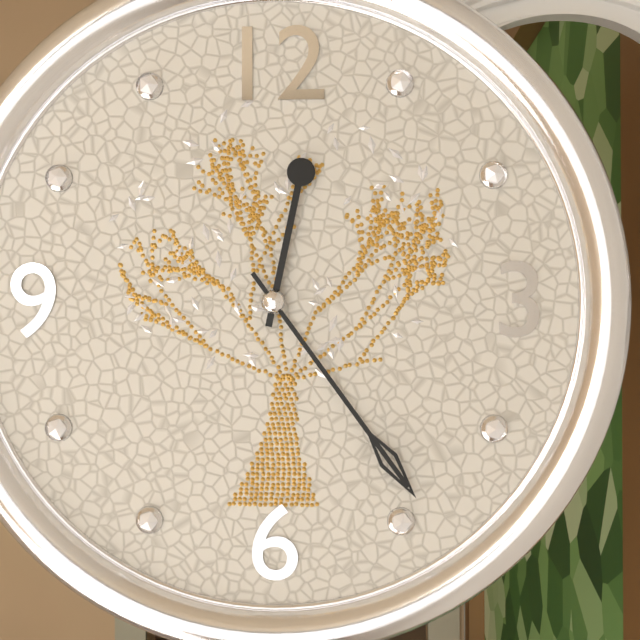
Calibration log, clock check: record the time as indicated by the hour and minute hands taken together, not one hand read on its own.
12:24
